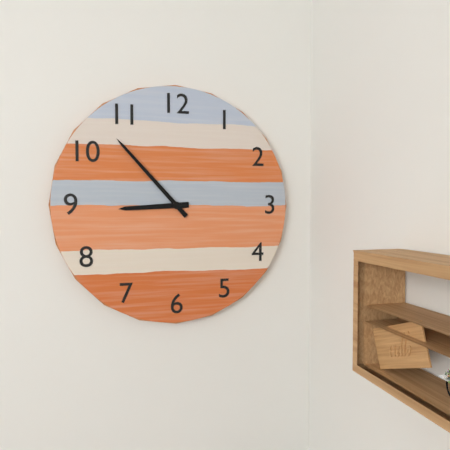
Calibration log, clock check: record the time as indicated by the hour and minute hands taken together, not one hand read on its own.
8:53
